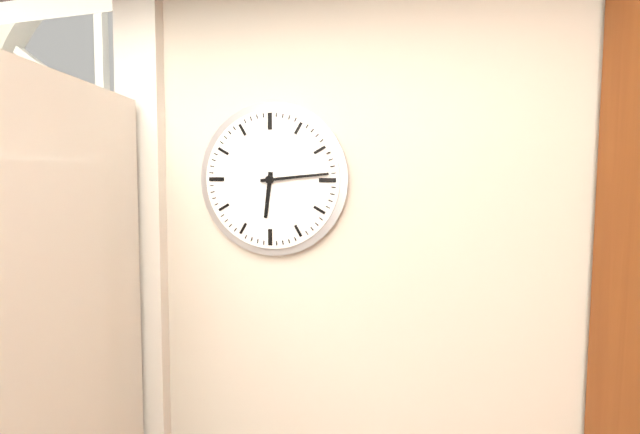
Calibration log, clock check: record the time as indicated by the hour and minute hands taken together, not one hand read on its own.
6:14
